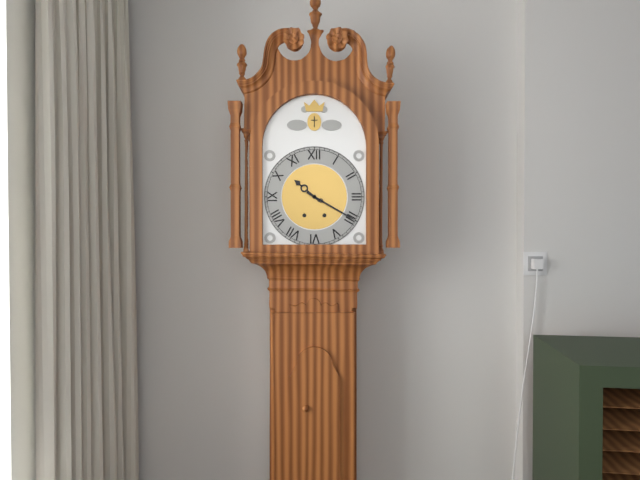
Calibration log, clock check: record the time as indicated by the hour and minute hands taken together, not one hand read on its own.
10:20
